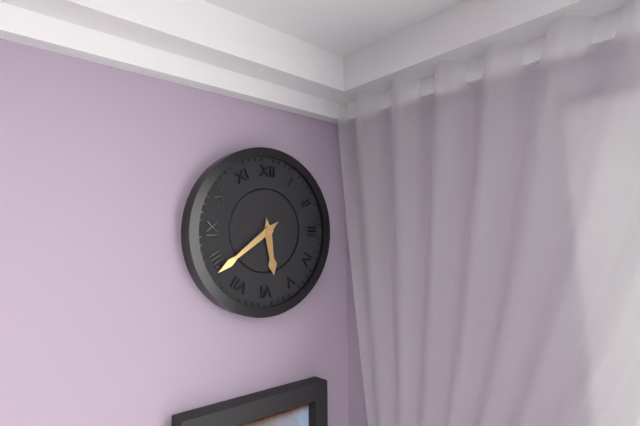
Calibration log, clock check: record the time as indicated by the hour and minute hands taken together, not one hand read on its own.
5:39
